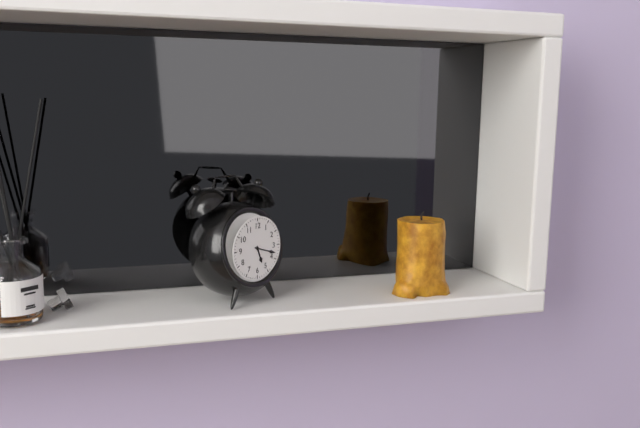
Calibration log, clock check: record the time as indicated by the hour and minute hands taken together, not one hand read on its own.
5:18
